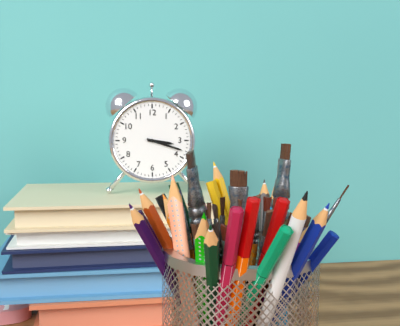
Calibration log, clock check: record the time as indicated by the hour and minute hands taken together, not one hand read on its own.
3:18
